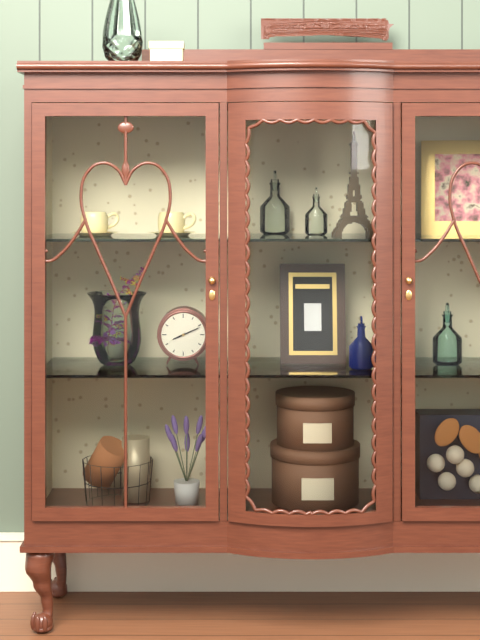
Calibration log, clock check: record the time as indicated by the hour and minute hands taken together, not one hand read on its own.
8:11
